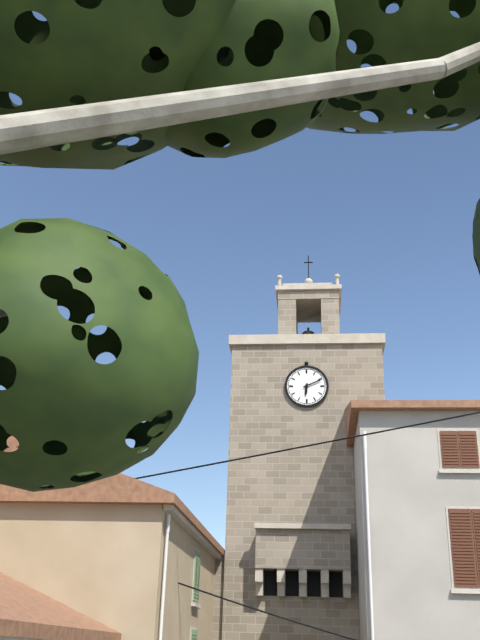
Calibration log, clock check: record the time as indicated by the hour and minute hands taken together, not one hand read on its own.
6:11
